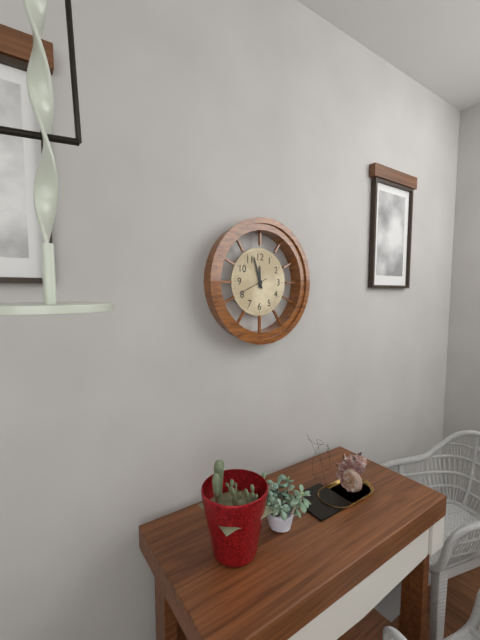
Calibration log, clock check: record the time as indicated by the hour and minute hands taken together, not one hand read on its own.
11:57
